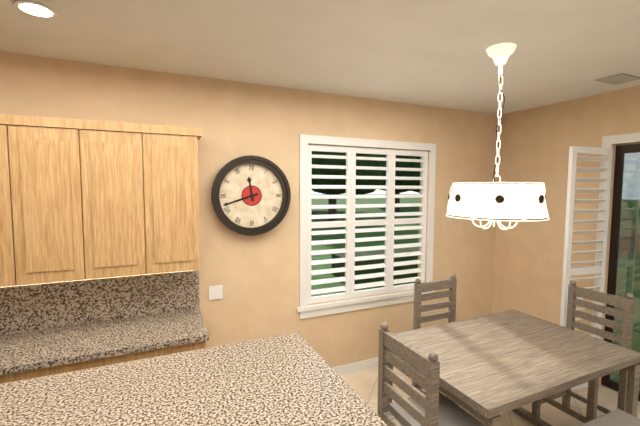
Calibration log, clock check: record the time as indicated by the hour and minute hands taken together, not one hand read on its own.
11:42
